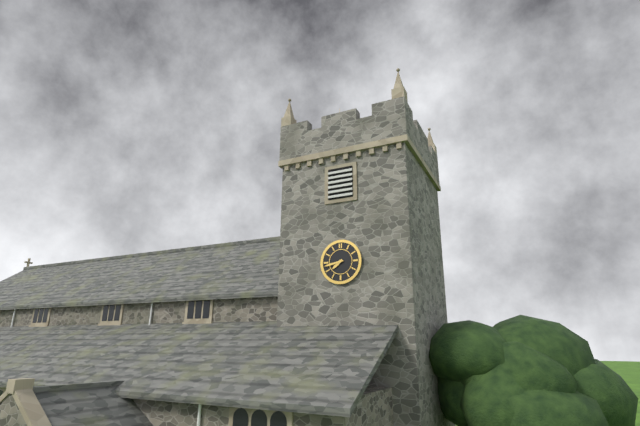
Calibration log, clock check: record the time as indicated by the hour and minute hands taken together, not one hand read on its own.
7:43
